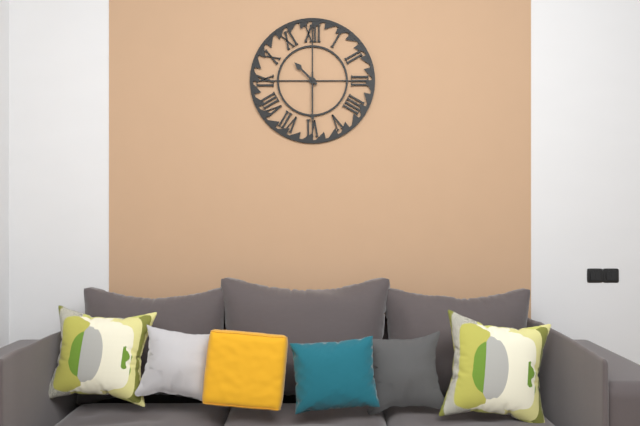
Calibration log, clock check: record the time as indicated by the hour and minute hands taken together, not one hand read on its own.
10:30
